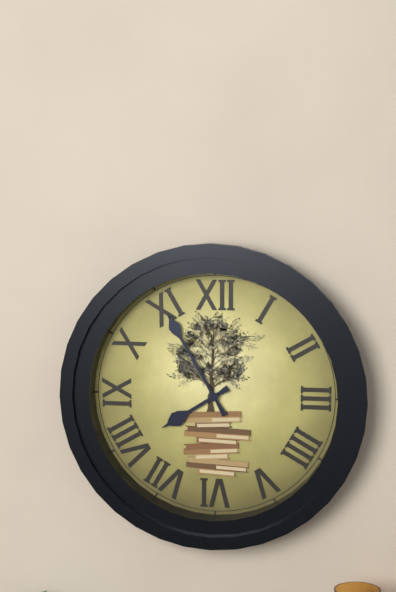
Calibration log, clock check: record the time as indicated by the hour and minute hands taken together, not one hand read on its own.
7:55
